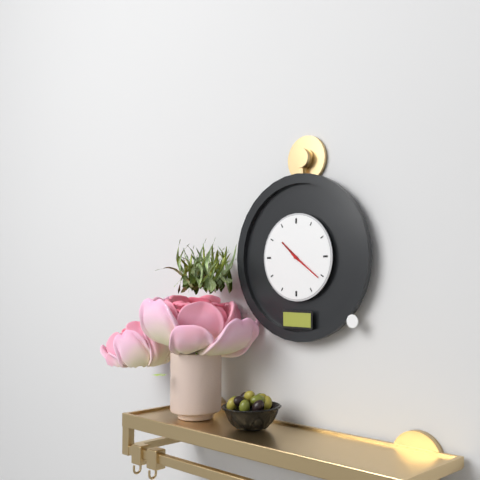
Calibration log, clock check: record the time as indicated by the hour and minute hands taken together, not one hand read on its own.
10:21
